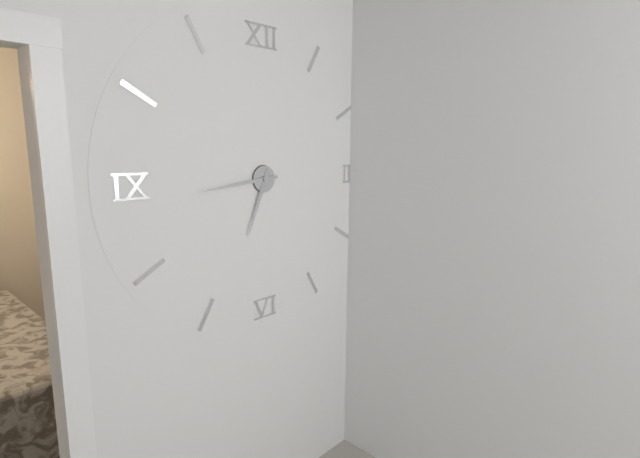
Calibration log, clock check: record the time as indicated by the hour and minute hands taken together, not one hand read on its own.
6:44
